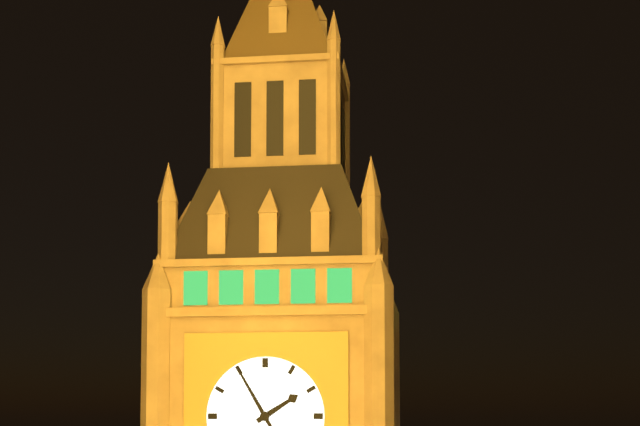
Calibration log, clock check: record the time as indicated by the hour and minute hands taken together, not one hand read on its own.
1:55
